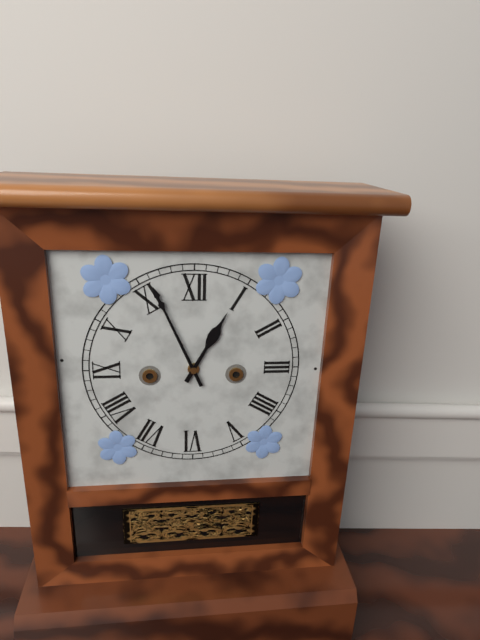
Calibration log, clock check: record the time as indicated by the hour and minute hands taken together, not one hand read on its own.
12:56
